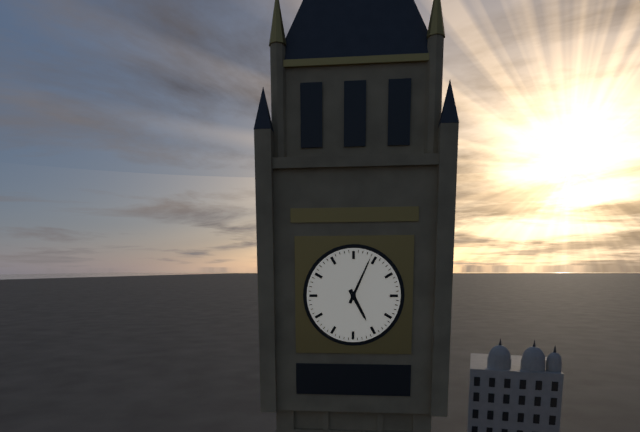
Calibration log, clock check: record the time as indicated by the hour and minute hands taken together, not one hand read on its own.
5:04
